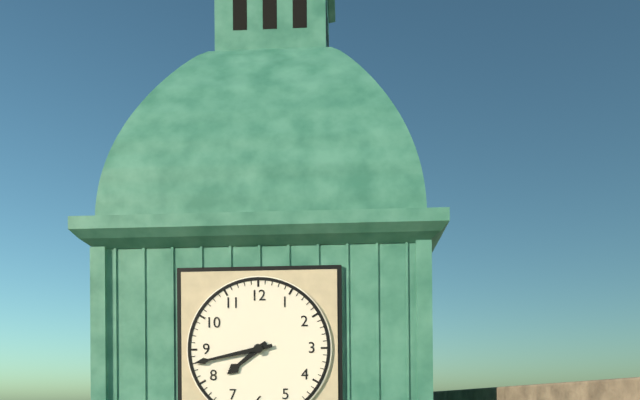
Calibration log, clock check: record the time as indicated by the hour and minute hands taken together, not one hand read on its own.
7:43
